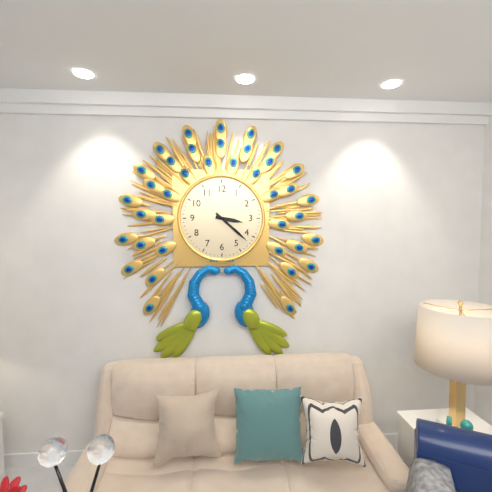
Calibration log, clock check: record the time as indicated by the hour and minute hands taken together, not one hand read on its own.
3:22
